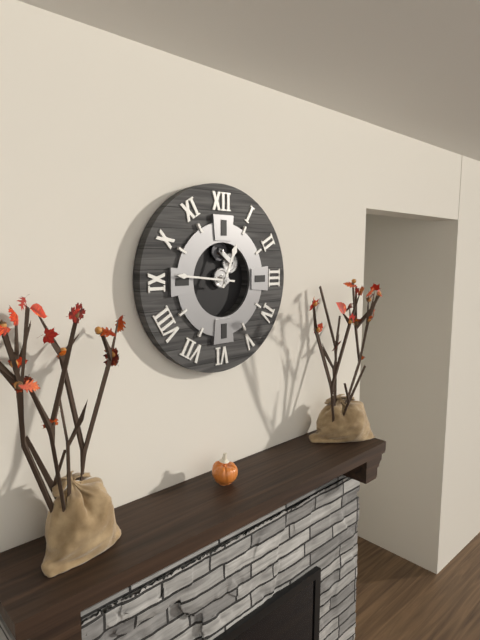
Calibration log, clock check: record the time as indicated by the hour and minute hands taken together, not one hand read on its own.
12:46
